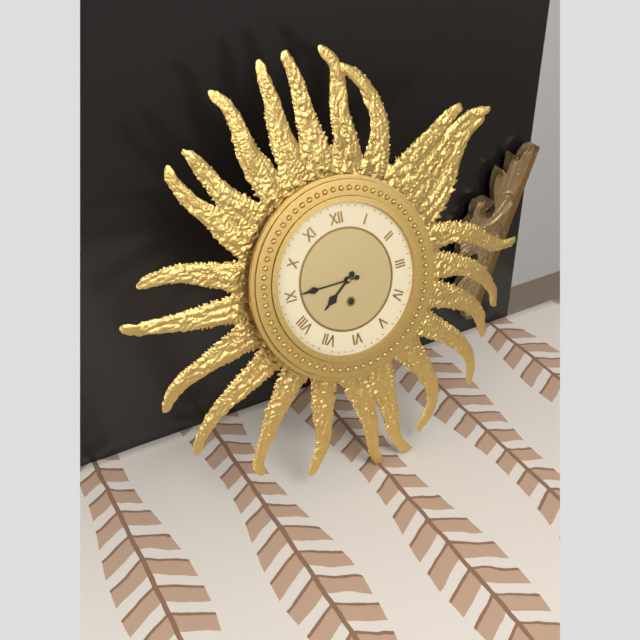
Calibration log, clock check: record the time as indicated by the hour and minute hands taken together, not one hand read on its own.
7:45
